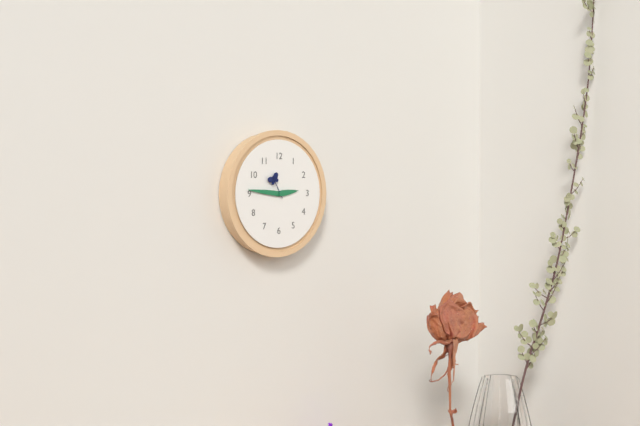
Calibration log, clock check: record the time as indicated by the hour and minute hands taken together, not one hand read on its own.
2:46
